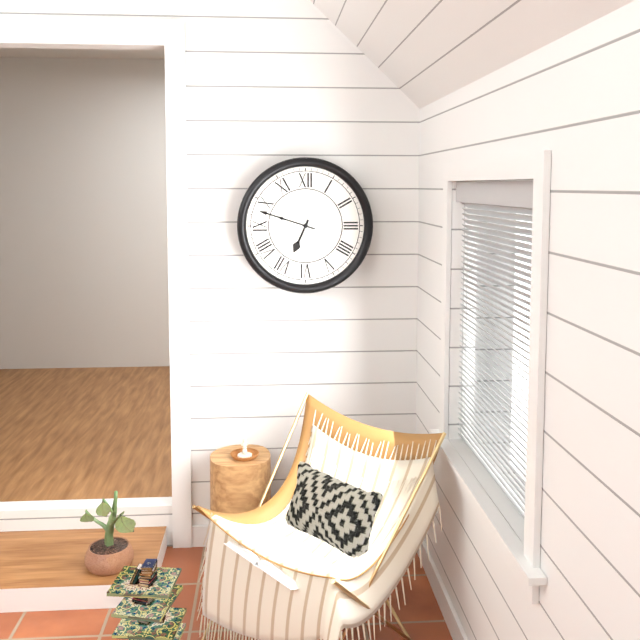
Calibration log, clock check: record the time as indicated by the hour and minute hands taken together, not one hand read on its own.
6:48
